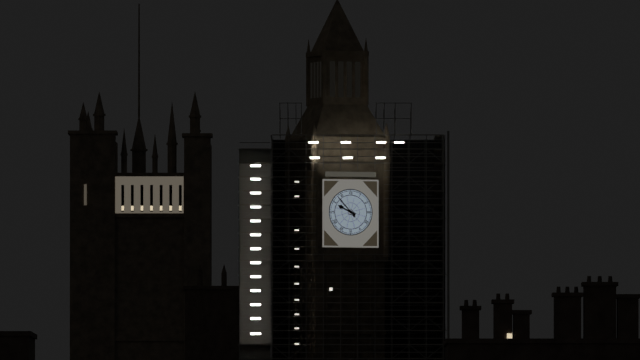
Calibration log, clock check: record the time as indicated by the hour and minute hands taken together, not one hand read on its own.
9:53
